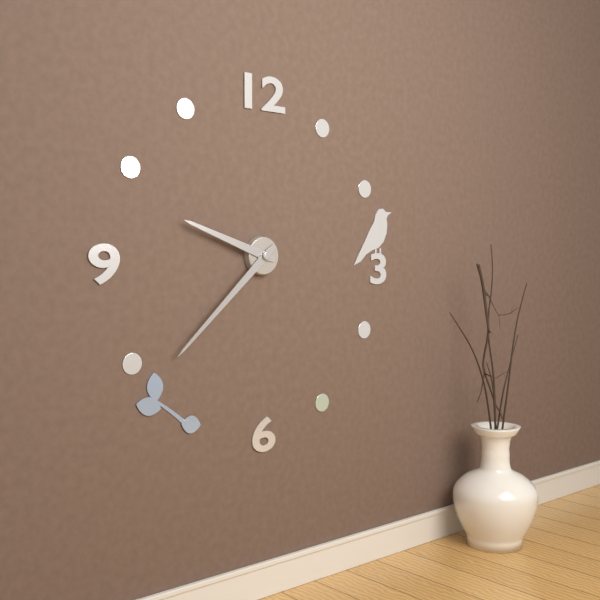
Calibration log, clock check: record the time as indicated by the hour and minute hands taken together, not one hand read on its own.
9:38
